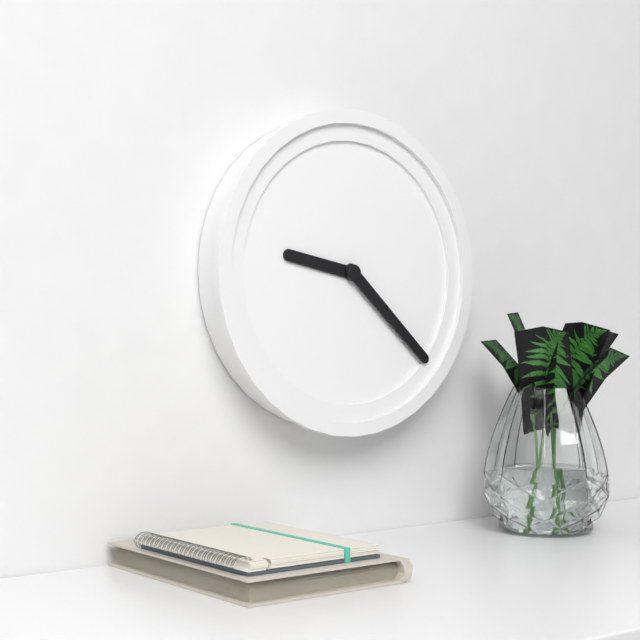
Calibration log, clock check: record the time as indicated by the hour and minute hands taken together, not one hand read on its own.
9:22
